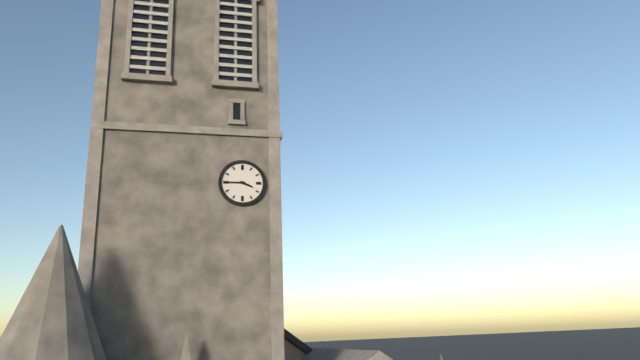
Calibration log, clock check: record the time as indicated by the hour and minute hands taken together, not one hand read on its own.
3:45
